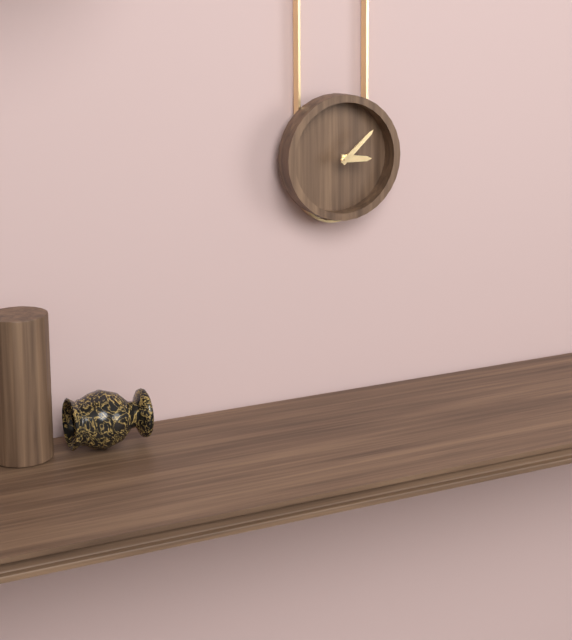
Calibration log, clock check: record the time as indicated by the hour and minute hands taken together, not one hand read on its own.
3:08
